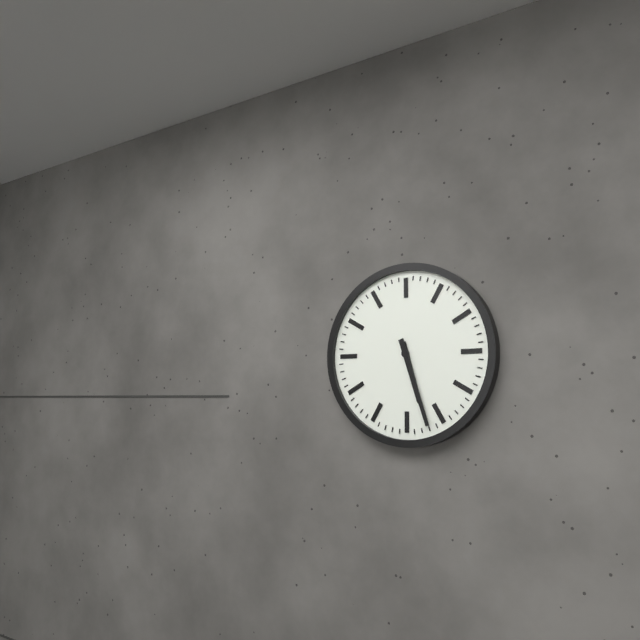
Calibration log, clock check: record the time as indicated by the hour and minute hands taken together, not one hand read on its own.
5:27
